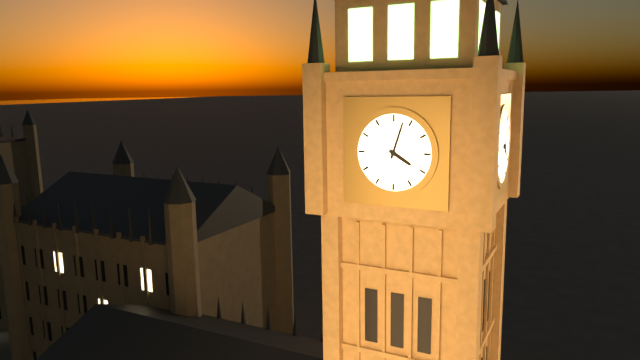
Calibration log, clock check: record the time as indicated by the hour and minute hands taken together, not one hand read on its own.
4:03
